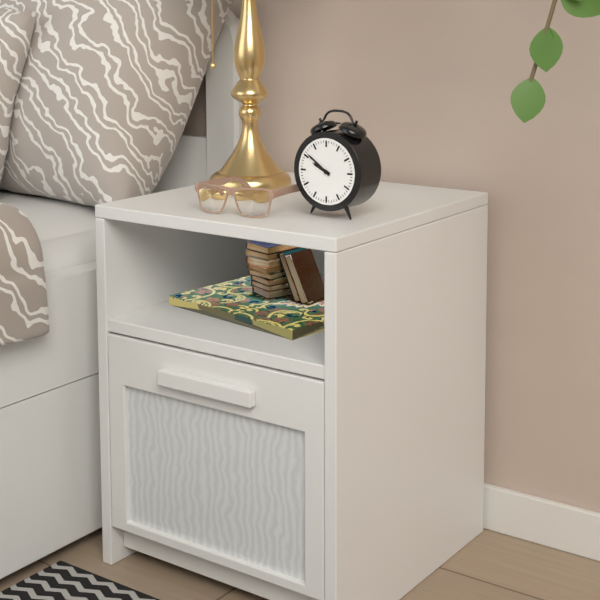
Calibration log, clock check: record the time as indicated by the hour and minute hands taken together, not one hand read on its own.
9:51
